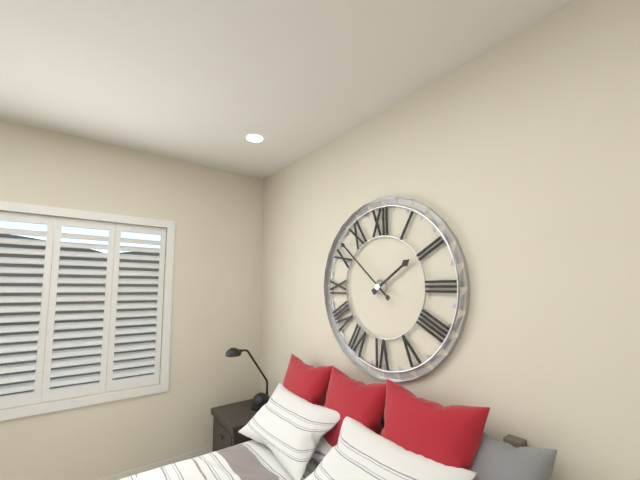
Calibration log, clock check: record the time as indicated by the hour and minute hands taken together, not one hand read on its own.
1:52
